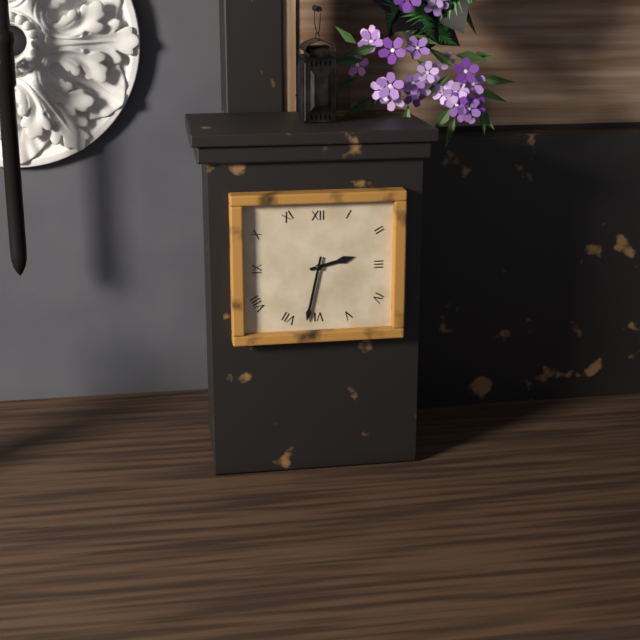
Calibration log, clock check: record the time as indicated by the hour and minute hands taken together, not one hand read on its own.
2:32
